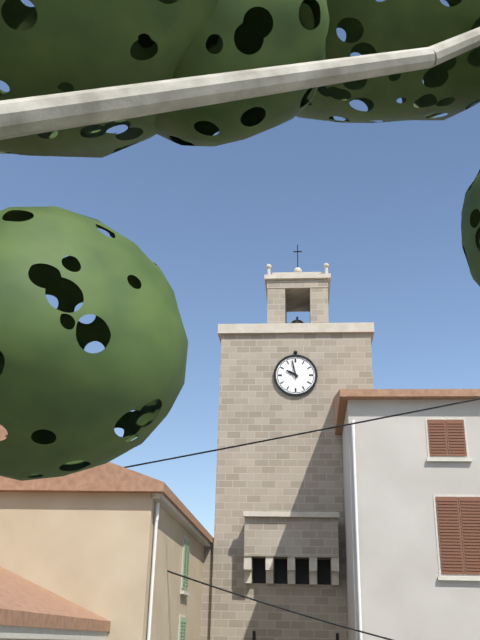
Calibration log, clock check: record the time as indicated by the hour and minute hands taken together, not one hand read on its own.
9:58
